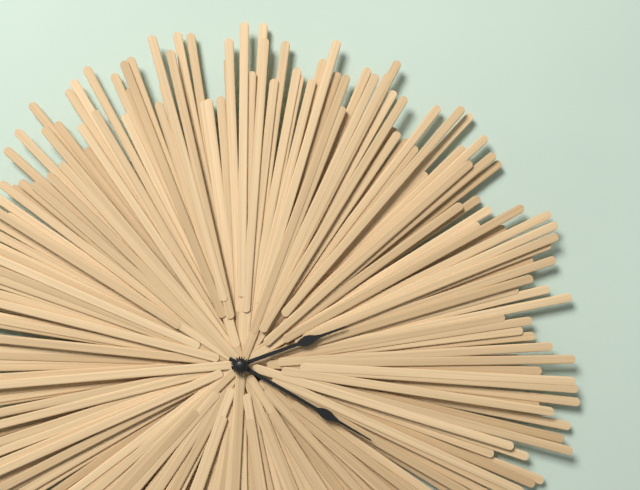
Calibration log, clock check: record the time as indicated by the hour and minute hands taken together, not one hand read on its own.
2:20
